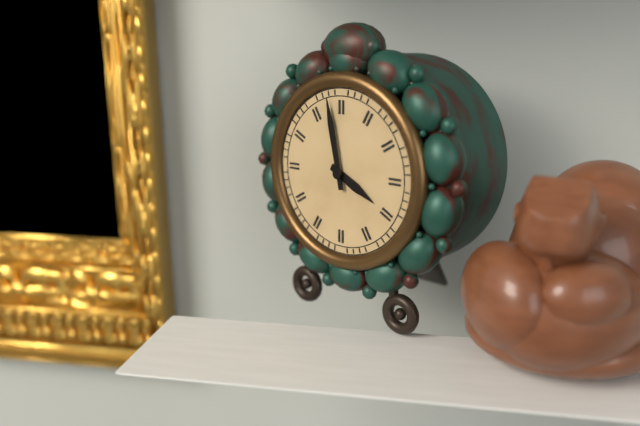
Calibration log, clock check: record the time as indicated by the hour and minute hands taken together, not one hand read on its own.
3:58
